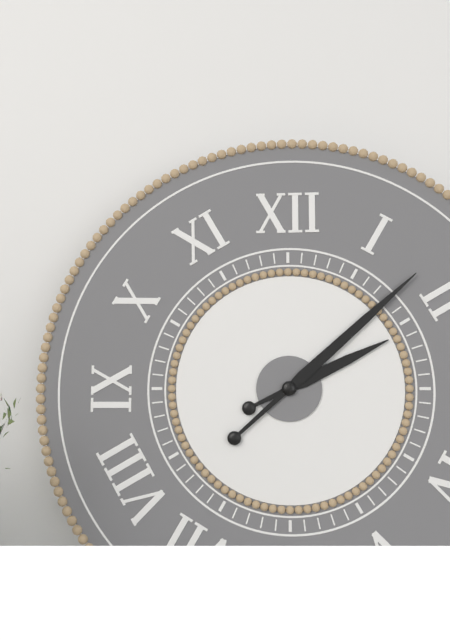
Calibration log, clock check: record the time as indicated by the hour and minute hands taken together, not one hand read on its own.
2:08
